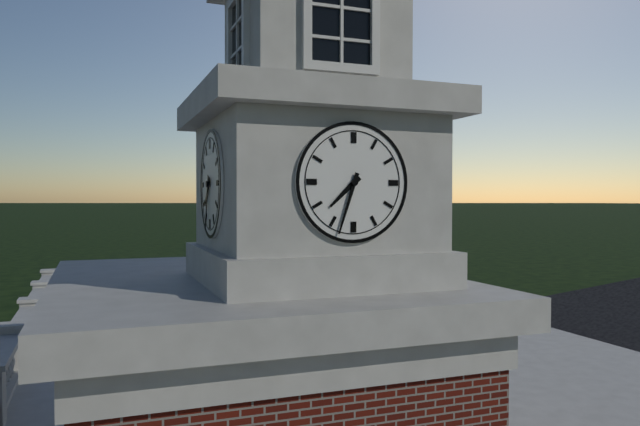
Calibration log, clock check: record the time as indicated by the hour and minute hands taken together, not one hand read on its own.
7:33
